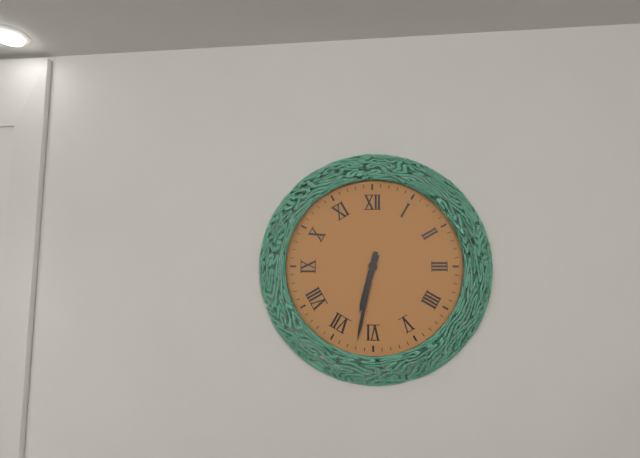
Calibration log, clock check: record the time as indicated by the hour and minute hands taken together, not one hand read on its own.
6:32
